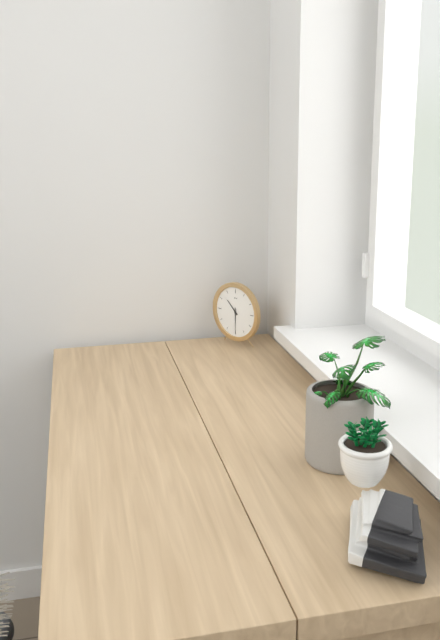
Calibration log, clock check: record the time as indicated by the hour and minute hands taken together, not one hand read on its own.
10:30
